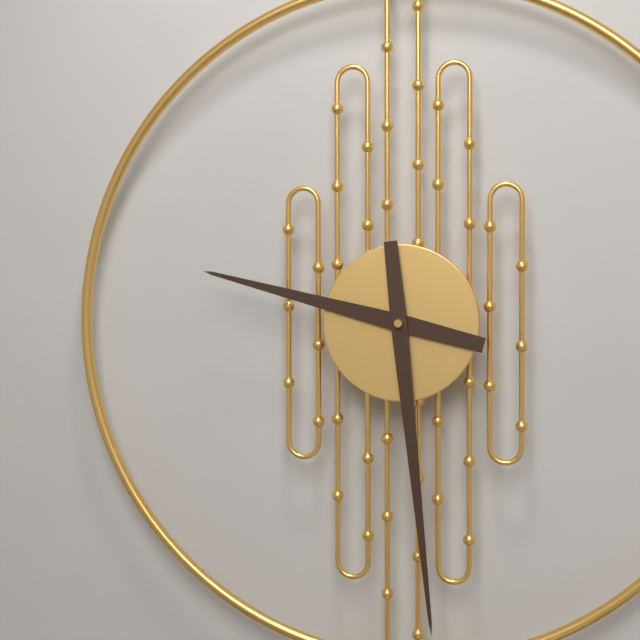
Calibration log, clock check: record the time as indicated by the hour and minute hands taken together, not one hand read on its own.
9:29
